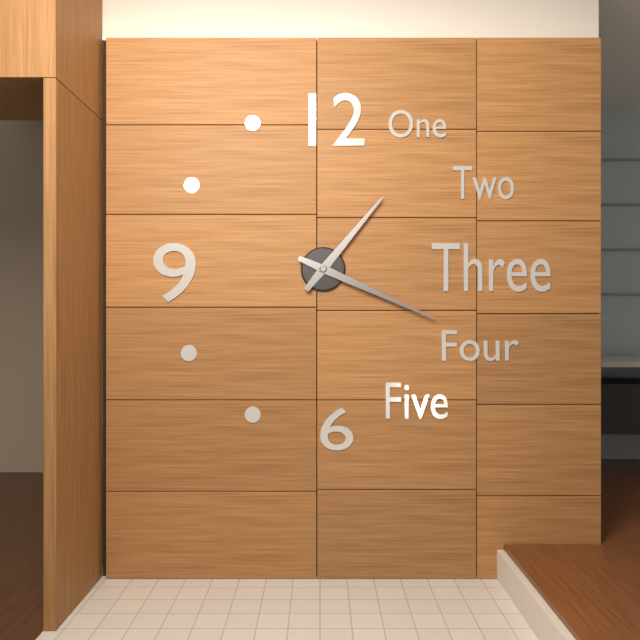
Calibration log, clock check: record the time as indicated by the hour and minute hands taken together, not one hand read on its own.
1:19
